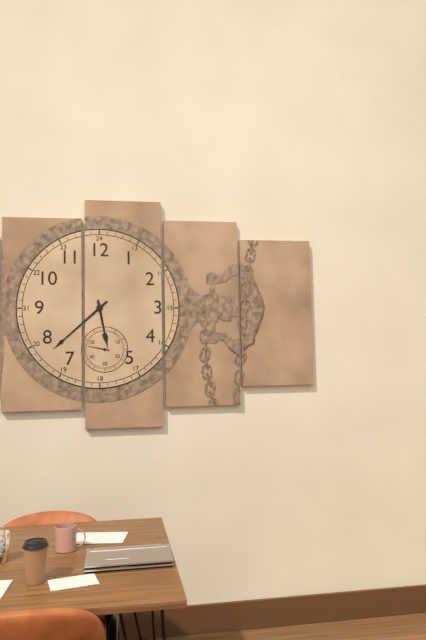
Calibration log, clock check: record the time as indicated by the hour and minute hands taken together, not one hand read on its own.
5:38
